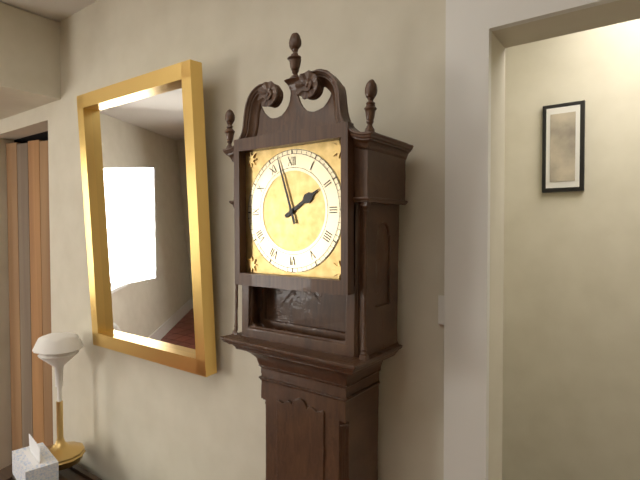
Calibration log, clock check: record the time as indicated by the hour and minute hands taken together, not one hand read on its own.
1:57
